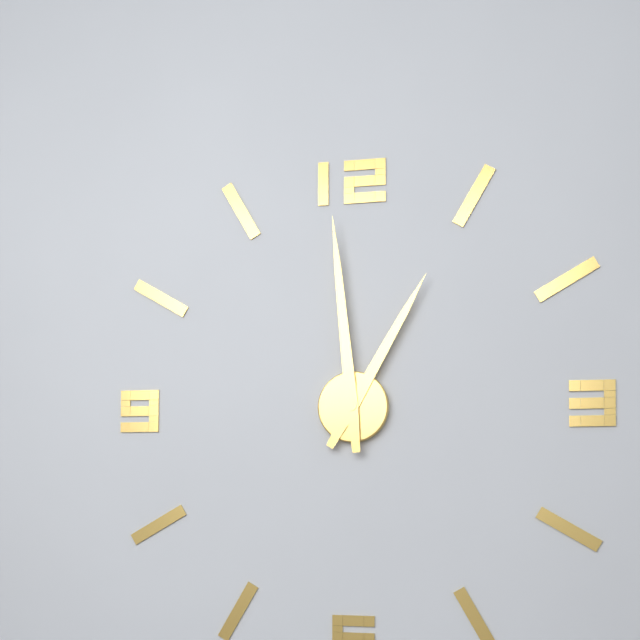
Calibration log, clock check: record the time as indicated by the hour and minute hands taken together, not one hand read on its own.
12:59
